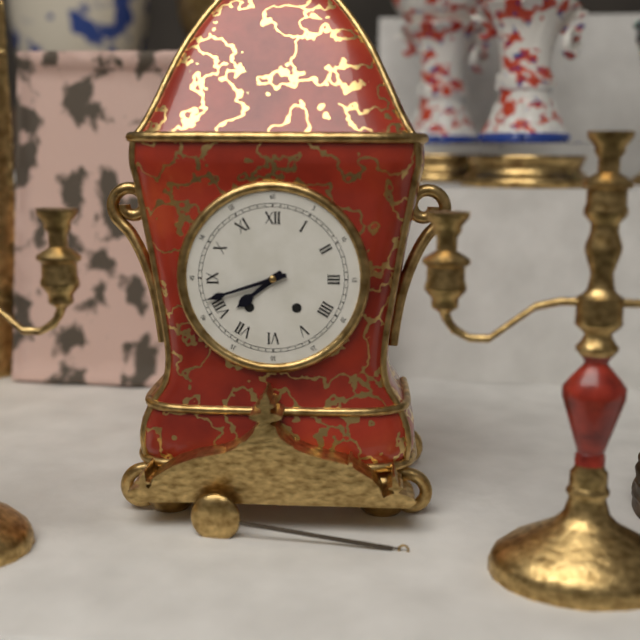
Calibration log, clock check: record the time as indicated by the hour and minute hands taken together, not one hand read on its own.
7:42
